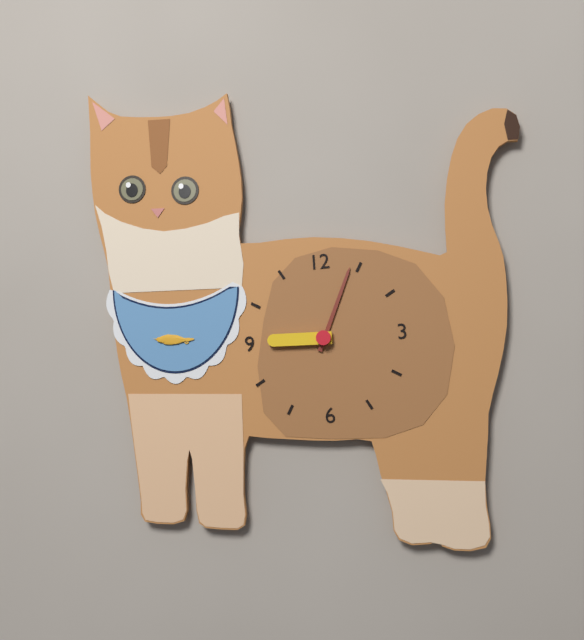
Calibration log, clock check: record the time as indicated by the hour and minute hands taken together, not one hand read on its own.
9:04
